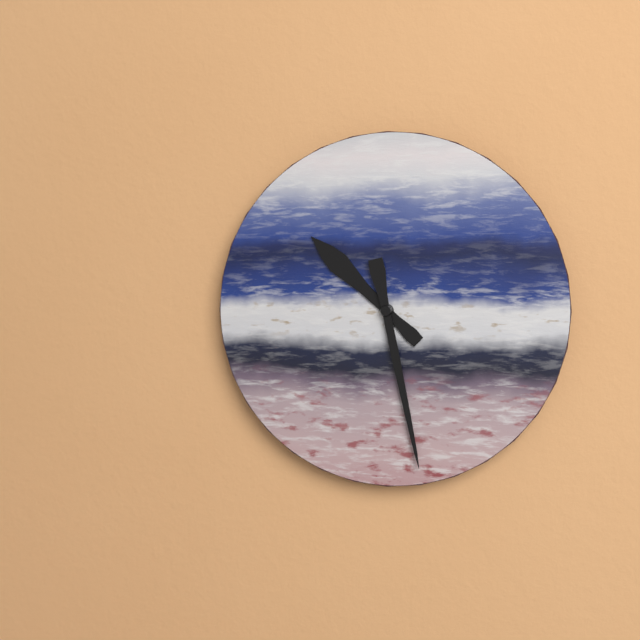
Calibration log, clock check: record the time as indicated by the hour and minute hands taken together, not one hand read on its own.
10:28
